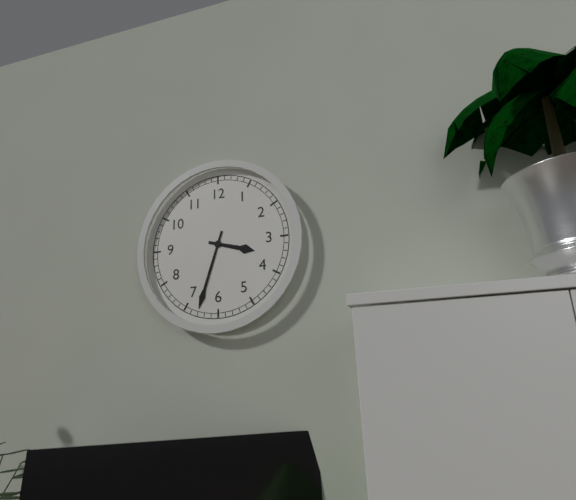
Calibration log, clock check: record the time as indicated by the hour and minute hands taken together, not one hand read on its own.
3:33
